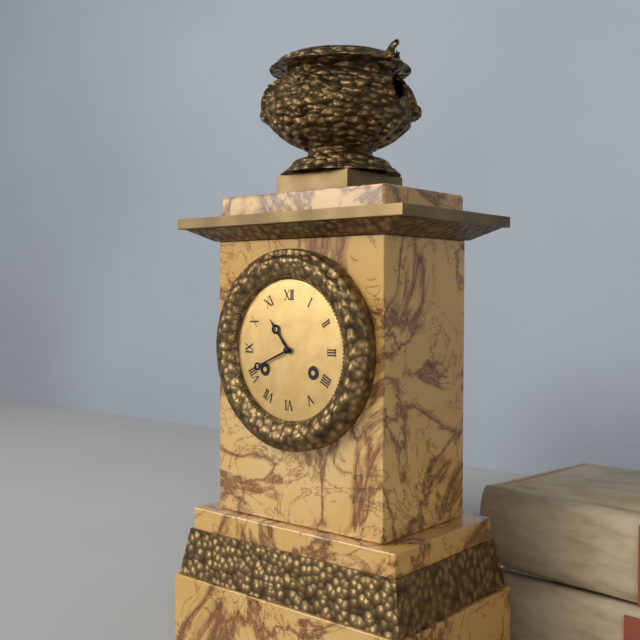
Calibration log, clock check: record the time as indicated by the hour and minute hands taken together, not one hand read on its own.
10:41
